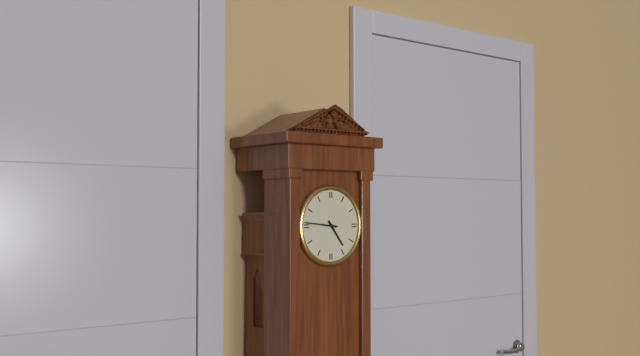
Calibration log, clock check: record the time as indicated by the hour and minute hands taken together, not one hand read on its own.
4:46
